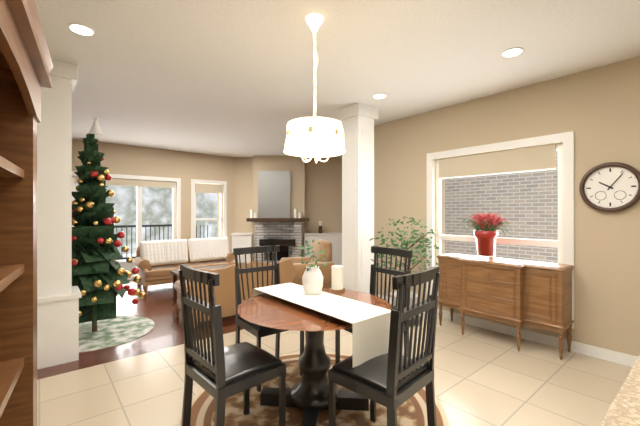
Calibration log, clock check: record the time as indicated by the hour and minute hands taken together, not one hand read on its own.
10:06
